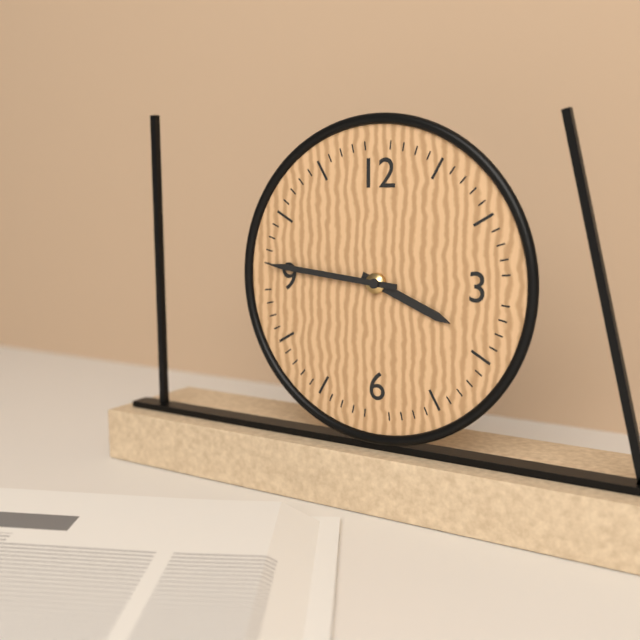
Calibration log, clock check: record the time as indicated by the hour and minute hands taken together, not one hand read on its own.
3:46
